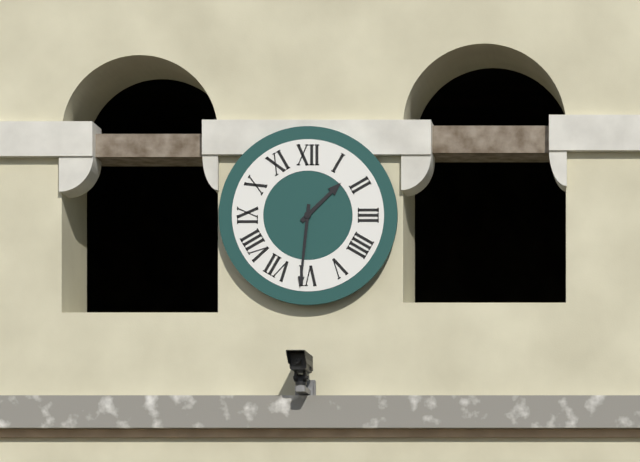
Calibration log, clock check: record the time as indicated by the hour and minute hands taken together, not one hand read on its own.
1:31
